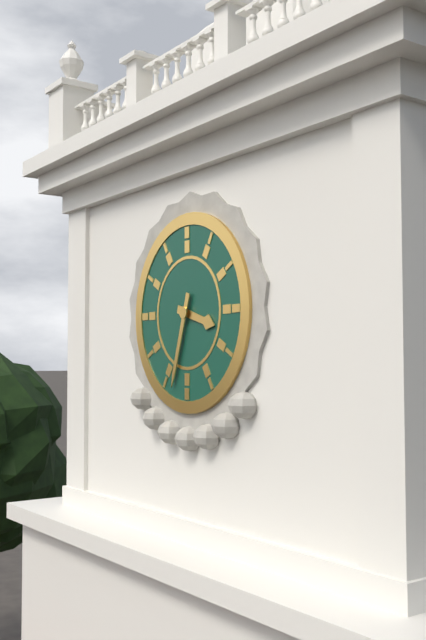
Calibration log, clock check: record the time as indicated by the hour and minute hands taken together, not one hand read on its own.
3:33
